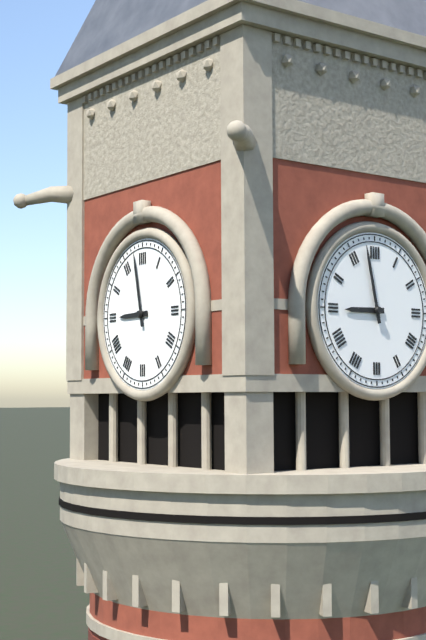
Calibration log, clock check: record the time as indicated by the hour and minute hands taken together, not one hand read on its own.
8:58
